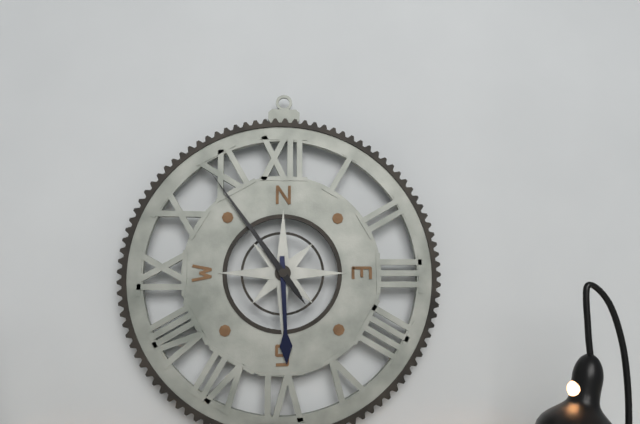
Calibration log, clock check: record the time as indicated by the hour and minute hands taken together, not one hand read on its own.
5:54
